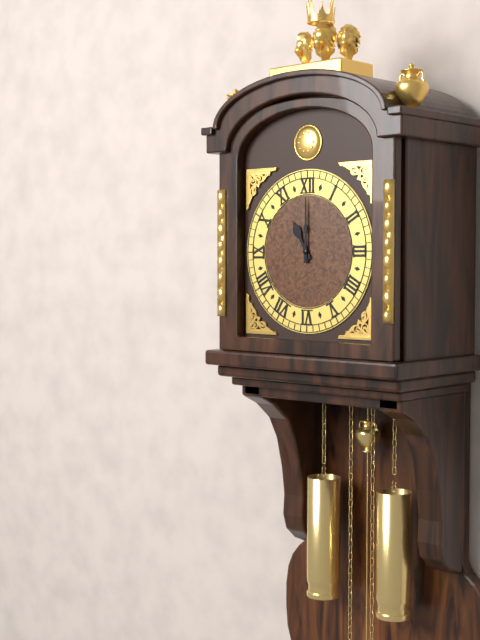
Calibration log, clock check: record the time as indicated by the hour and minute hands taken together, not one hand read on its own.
11:00
